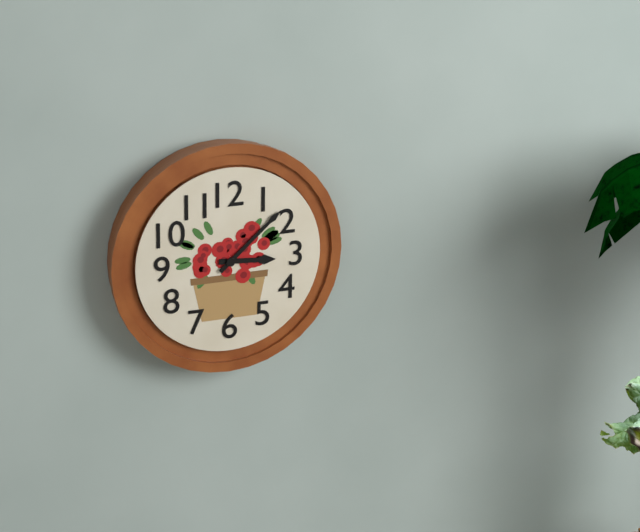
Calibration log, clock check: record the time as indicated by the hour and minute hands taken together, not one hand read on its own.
3:08
